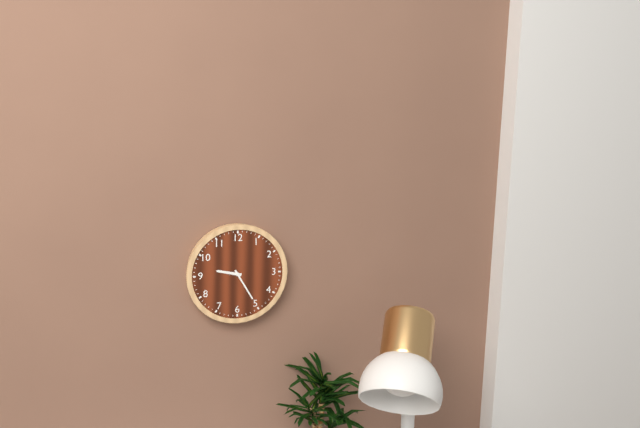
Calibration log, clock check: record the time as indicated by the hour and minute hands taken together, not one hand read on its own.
9:25
